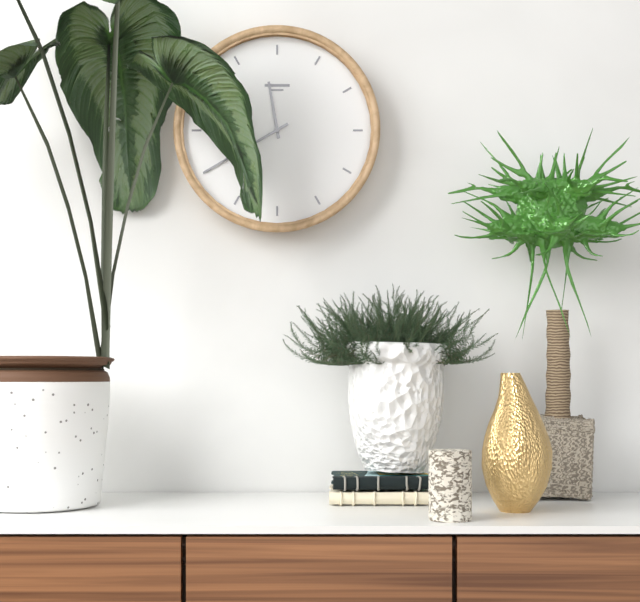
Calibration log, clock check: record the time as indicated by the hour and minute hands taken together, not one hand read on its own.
11:40
